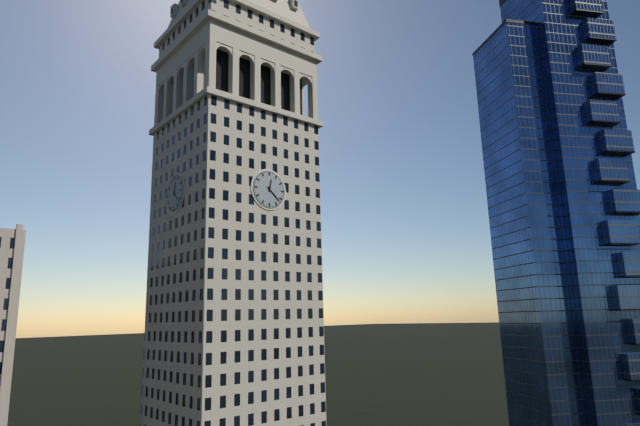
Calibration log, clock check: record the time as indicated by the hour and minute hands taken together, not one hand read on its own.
12:22
